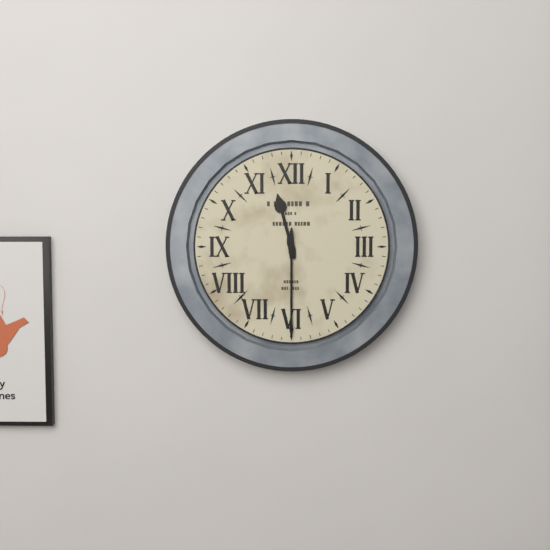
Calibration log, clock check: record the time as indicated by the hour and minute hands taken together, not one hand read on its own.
11:30
